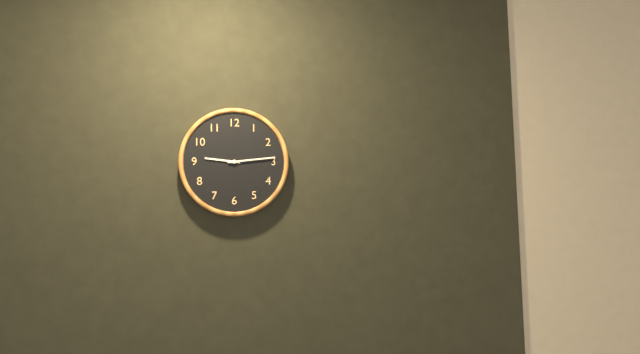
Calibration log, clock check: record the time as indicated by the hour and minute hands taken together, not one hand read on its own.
9:14
